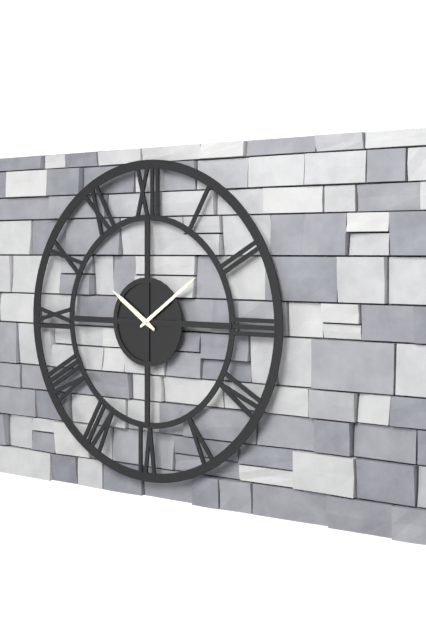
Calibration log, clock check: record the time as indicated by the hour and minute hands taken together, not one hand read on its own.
10:09
